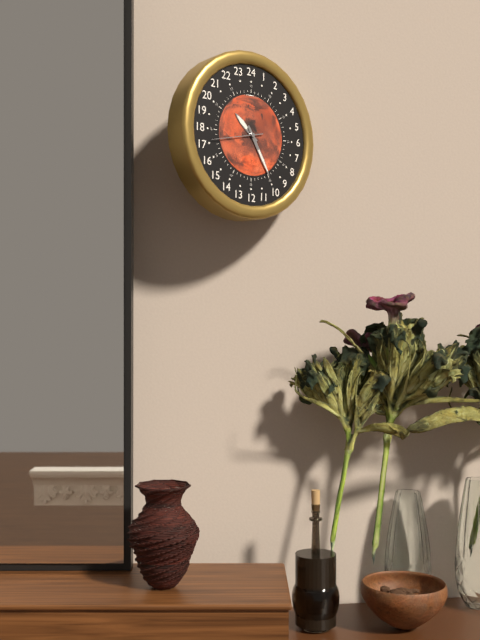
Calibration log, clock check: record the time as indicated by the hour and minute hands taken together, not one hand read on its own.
10:25
